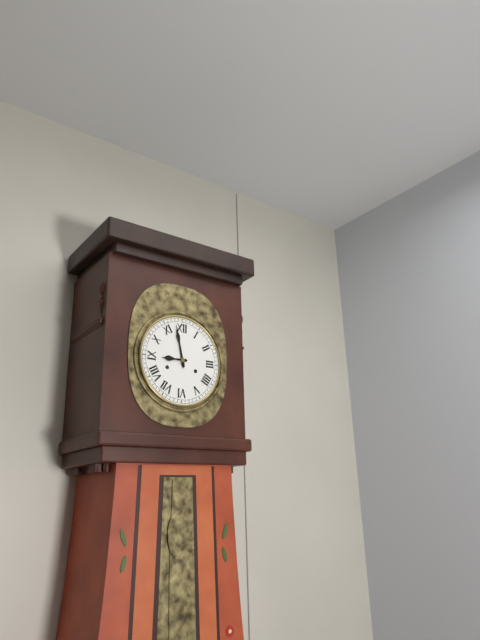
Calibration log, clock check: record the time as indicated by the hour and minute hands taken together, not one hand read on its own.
8:58
